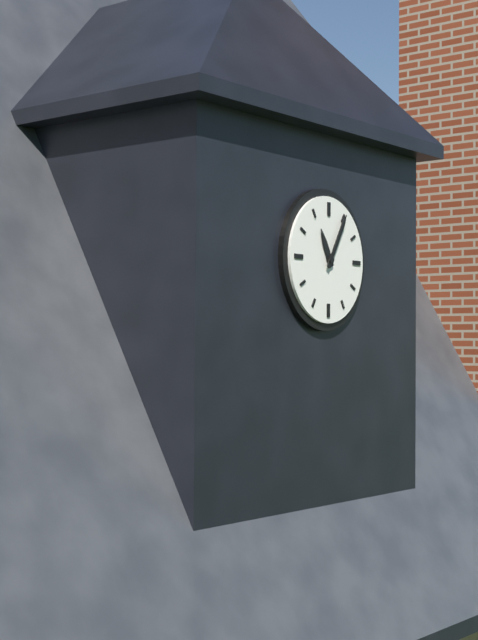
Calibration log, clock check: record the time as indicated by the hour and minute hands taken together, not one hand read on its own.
11:05
